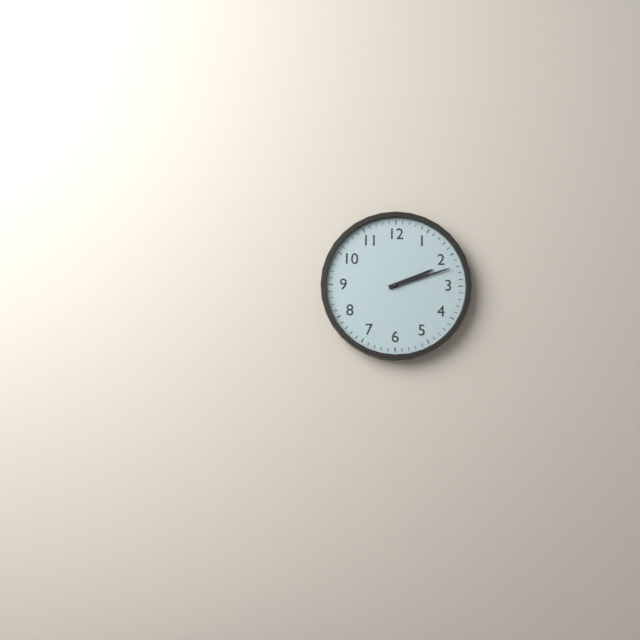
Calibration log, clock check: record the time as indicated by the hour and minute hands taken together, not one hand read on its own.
2:12
